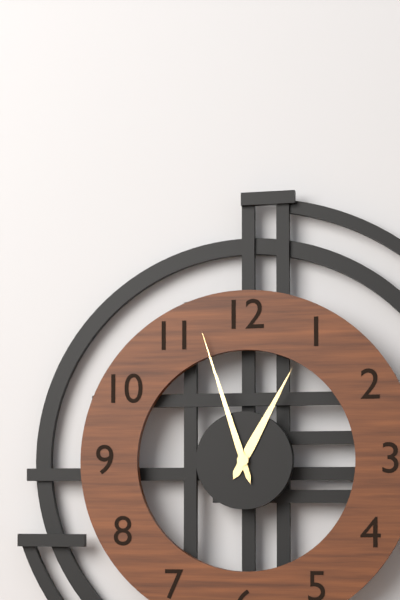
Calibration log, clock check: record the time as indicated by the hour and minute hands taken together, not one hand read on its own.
12:57
